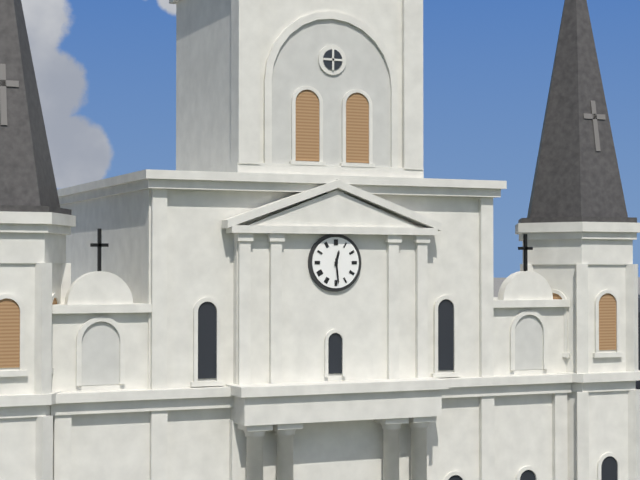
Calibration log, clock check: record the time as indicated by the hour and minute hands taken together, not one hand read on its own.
12:29
